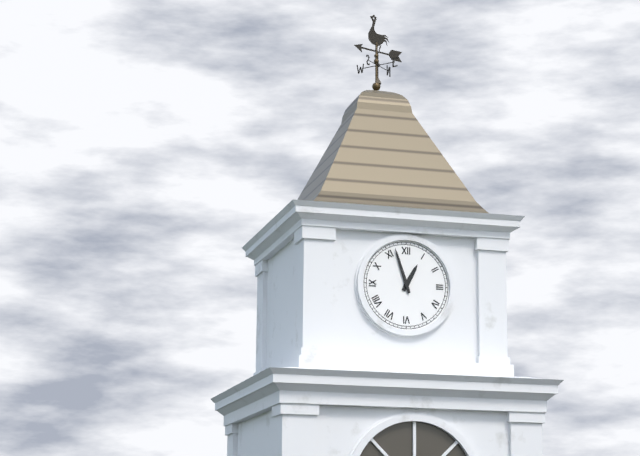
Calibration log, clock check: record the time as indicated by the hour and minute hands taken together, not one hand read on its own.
12:57
